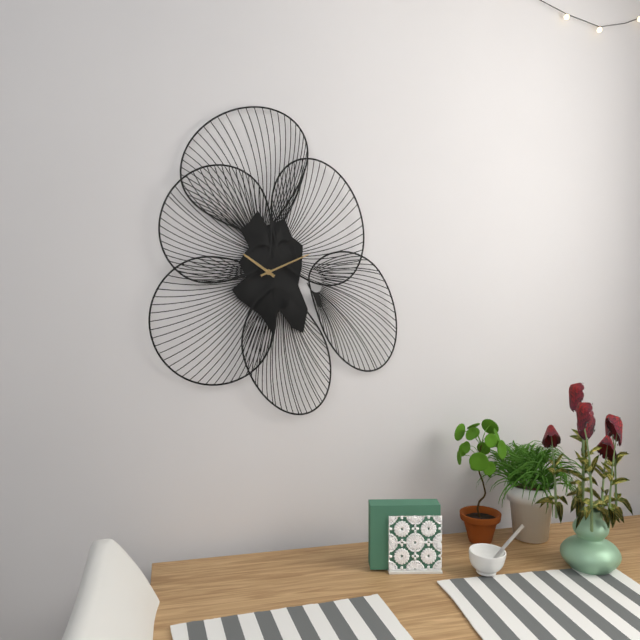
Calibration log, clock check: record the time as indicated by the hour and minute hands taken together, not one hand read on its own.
10:11
